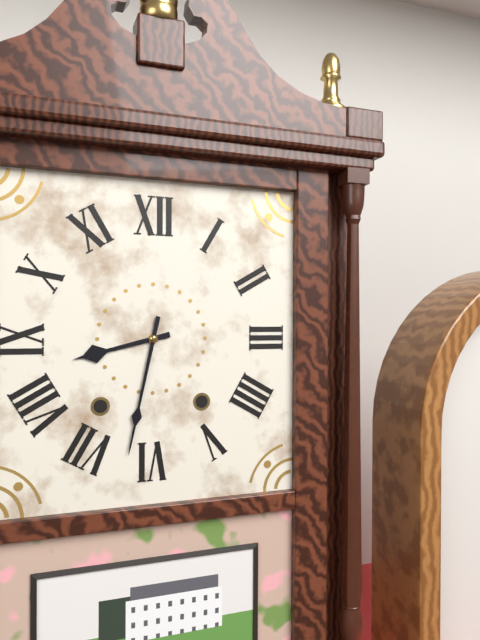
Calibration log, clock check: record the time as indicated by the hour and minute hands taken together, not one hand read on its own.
8:32
